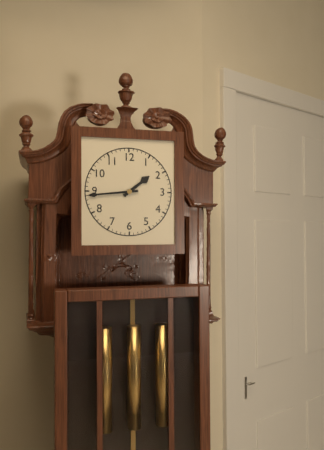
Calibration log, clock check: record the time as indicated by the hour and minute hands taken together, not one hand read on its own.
1:44
